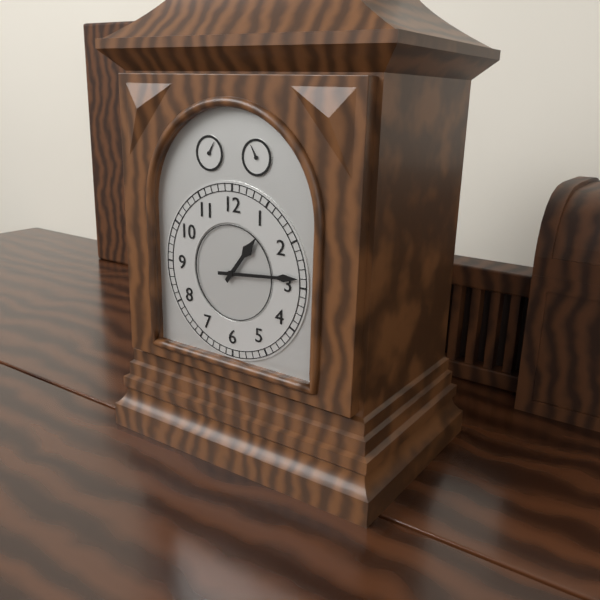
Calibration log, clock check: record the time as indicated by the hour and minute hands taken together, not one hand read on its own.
1:14
